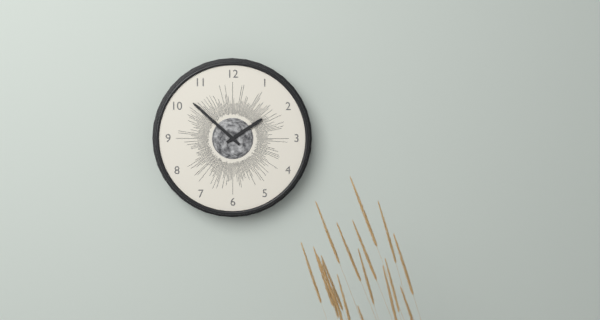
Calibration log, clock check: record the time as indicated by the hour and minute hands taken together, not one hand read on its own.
1:52
